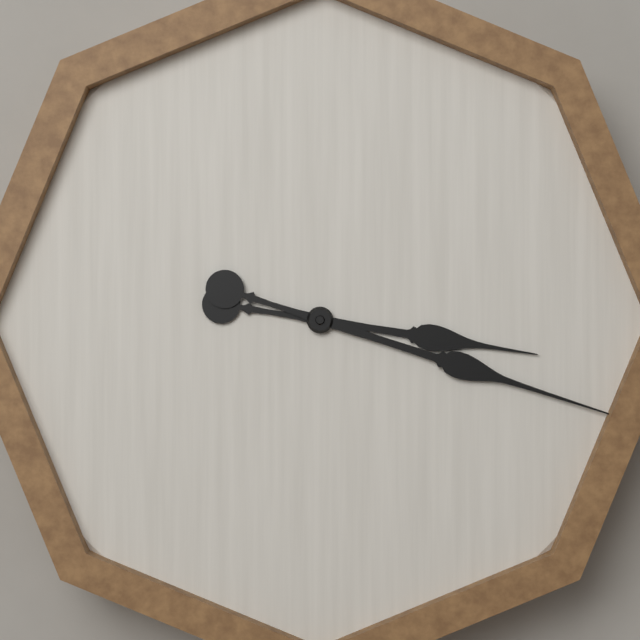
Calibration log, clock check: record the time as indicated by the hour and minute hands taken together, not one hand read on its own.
3:18
